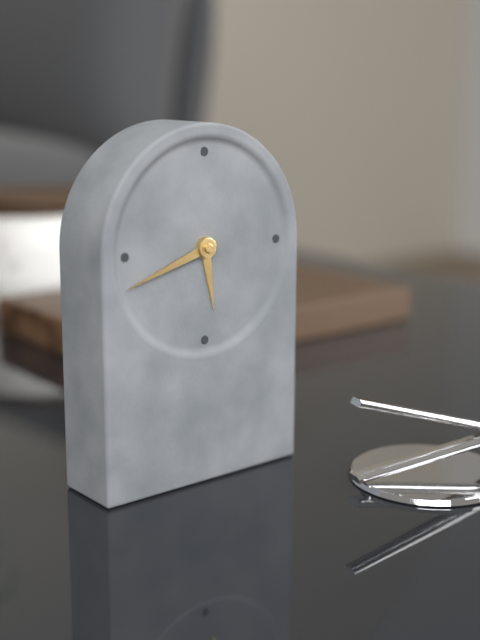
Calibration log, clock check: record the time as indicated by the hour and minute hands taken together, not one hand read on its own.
5:42
